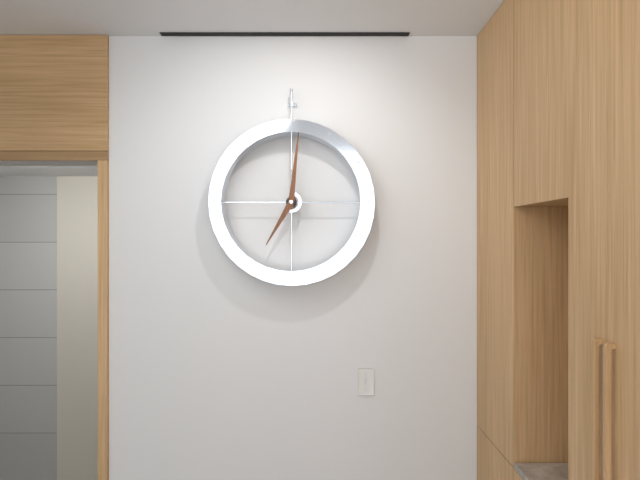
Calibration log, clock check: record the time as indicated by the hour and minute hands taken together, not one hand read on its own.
7:01
